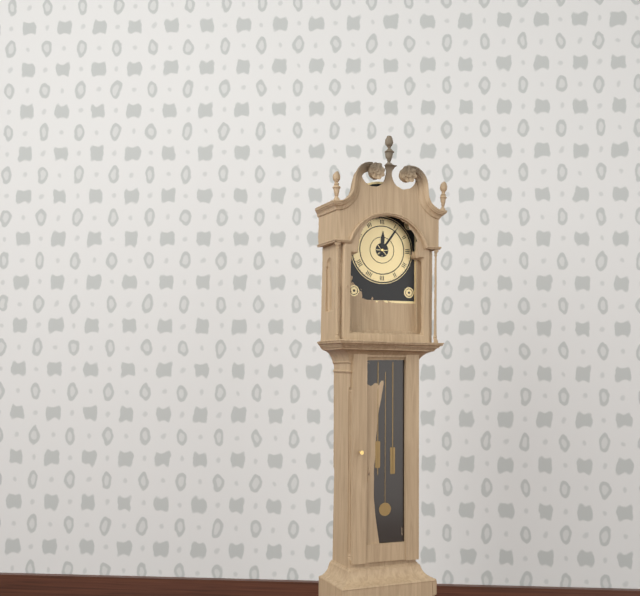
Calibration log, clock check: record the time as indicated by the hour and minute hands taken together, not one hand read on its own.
12:06
